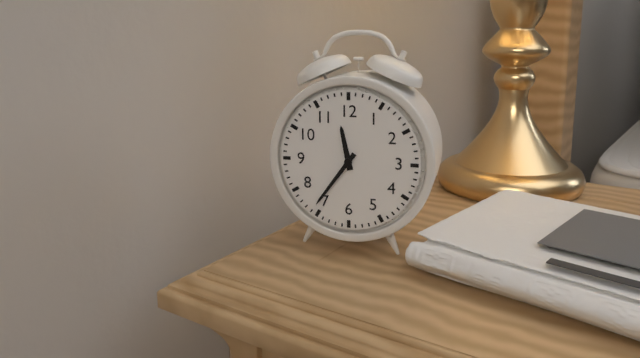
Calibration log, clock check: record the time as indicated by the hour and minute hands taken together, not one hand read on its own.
11:36
